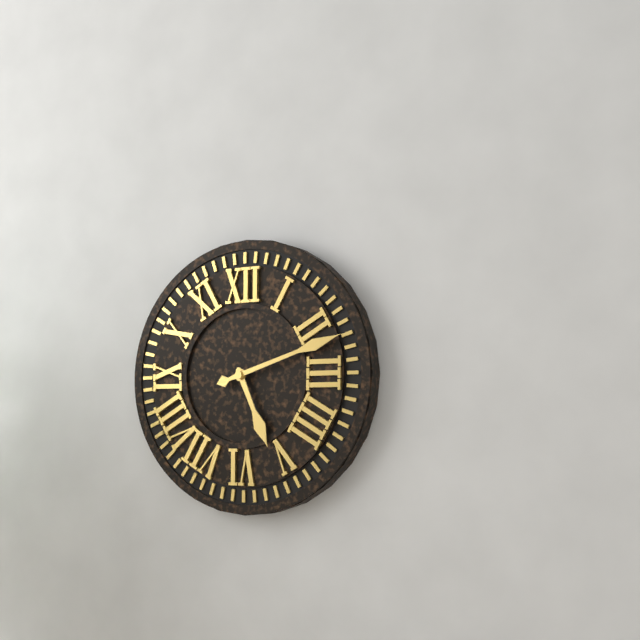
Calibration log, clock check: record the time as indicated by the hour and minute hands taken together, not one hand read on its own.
5:12
